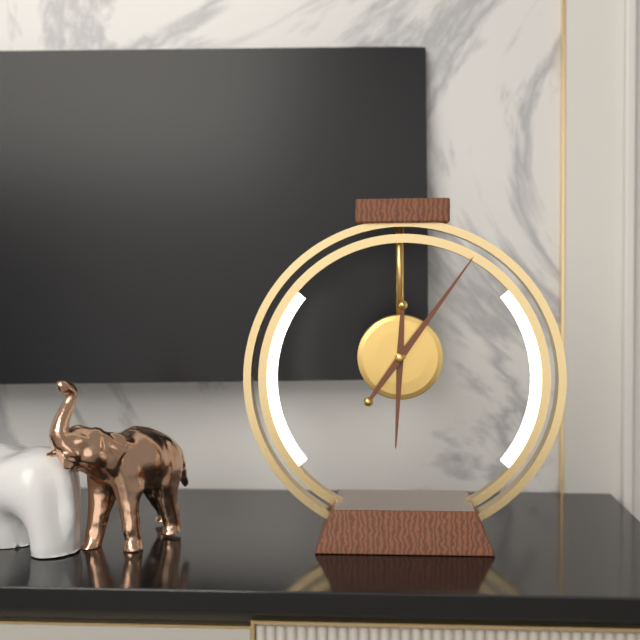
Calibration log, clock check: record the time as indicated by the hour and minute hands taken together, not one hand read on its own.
6:06
